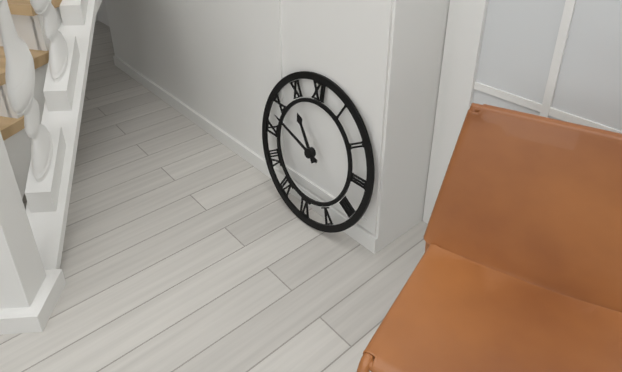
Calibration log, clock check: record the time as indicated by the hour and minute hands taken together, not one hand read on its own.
10:48
